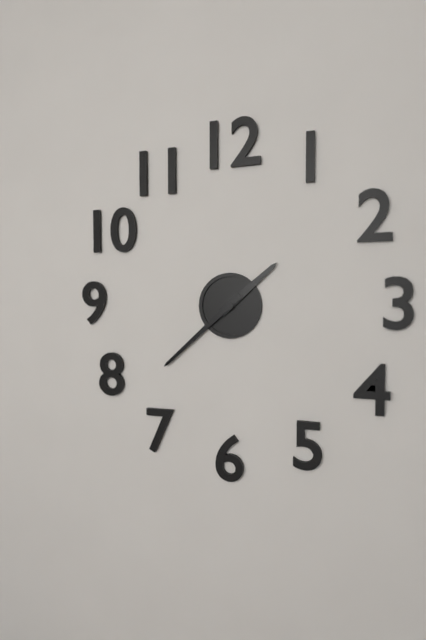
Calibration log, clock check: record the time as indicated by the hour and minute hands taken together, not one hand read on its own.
1:38
